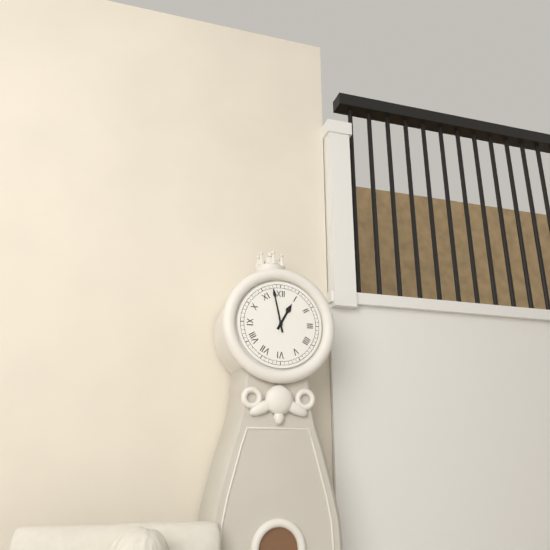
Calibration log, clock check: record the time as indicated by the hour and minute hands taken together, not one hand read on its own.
12:58
